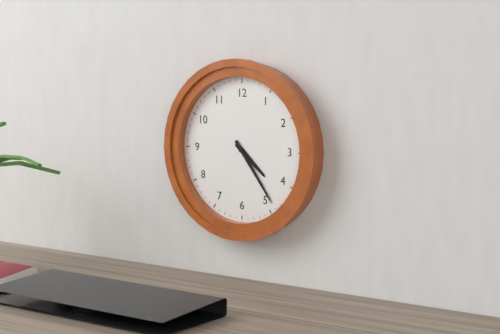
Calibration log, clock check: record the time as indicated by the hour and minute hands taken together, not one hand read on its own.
4:24
